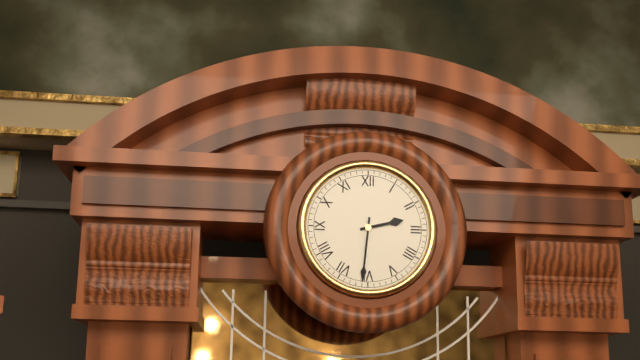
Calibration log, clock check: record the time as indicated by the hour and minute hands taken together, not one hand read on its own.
2:31
